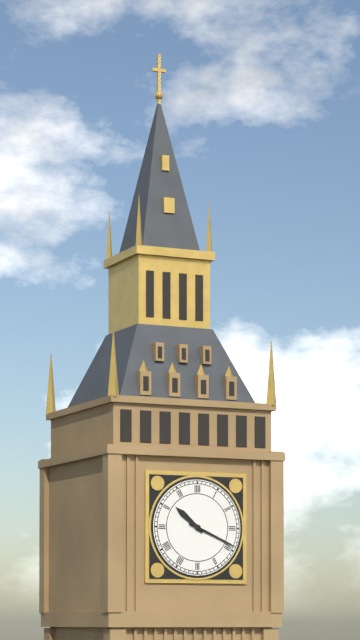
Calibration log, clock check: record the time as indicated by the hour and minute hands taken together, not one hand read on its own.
10:19
